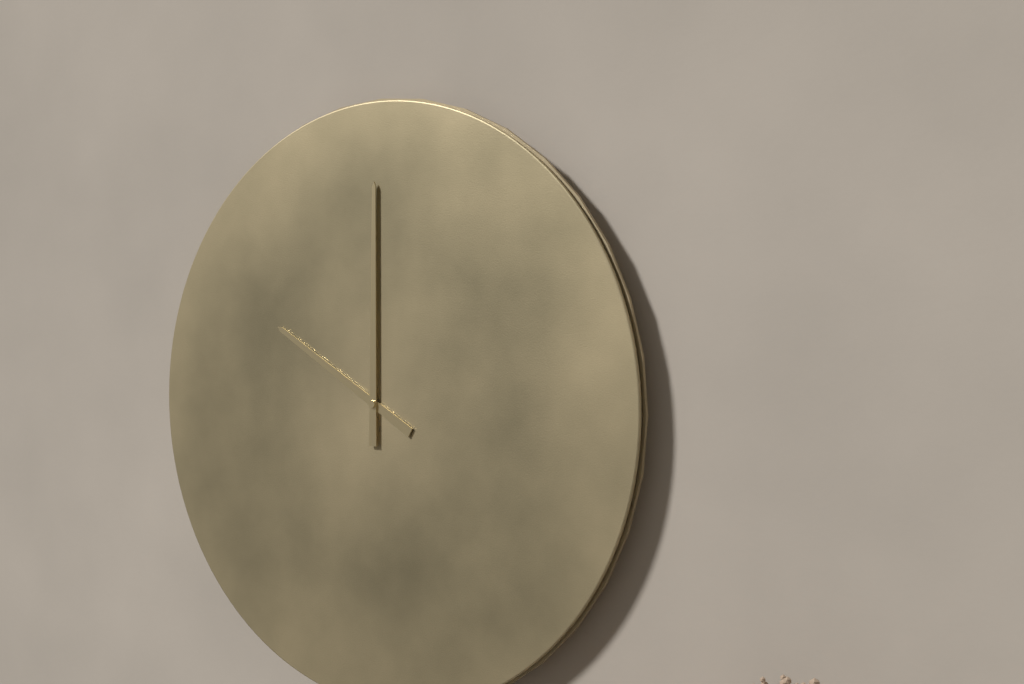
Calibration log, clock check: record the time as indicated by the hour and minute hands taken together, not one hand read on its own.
10:00
